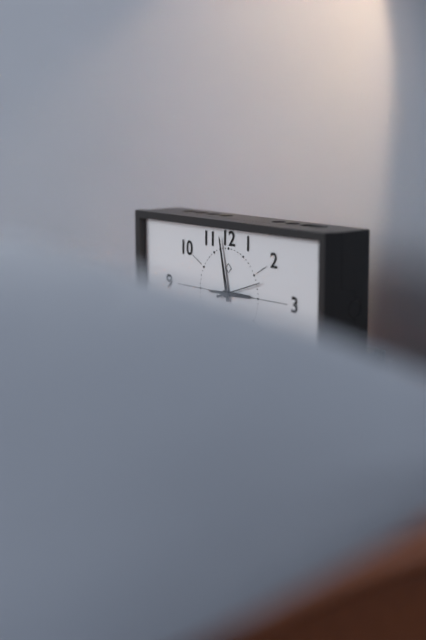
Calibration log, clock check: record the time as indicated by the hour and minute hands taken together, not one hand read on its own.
2:58
